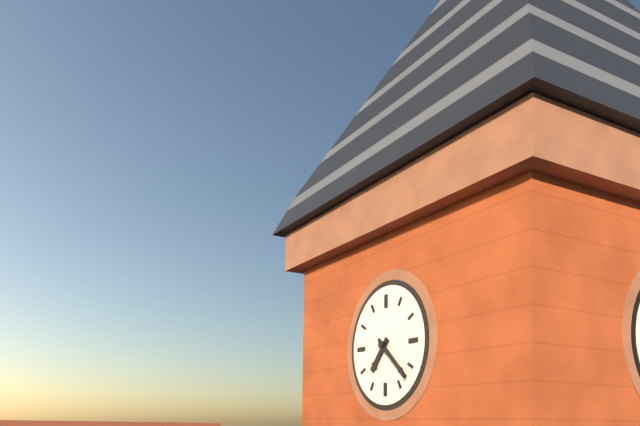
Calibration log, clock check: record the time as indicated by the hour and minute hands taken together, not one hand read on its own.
7:22
